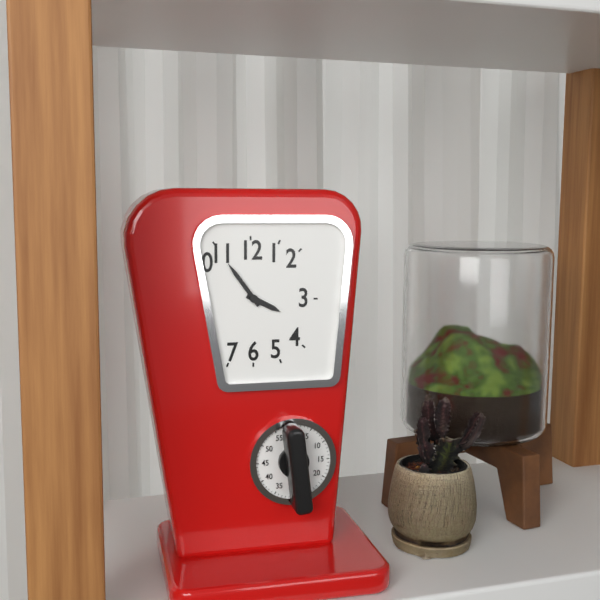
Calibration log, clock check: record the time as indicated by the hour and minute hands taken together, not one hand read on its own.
3:54
